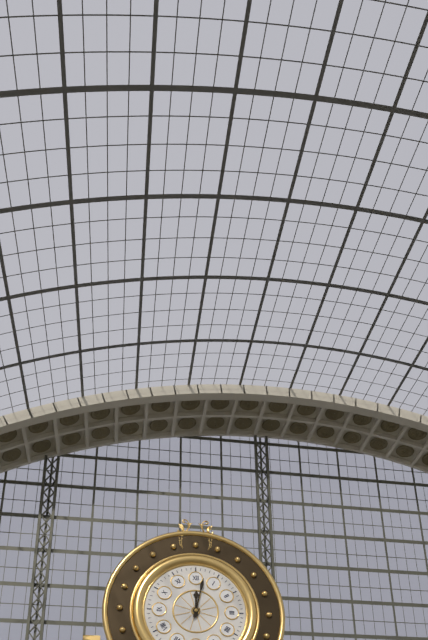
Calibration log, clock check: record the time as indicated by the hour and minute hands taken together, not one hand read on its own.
12:02
